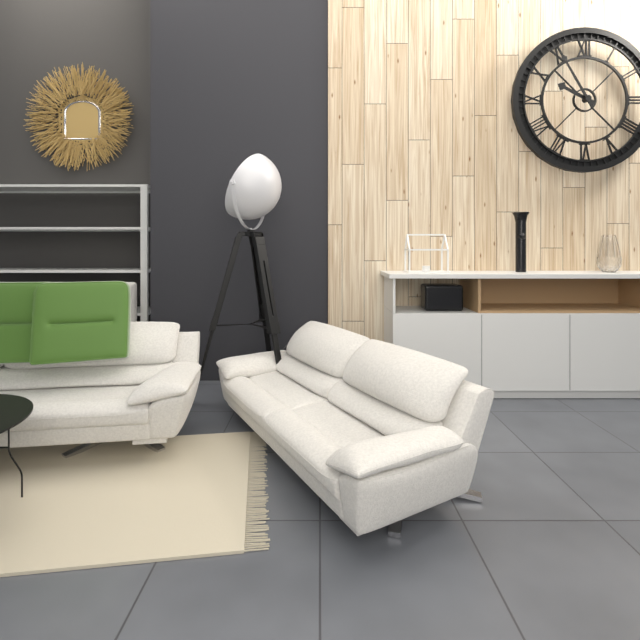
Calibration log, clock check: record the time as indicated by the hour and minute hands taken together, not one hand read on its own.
9:55
